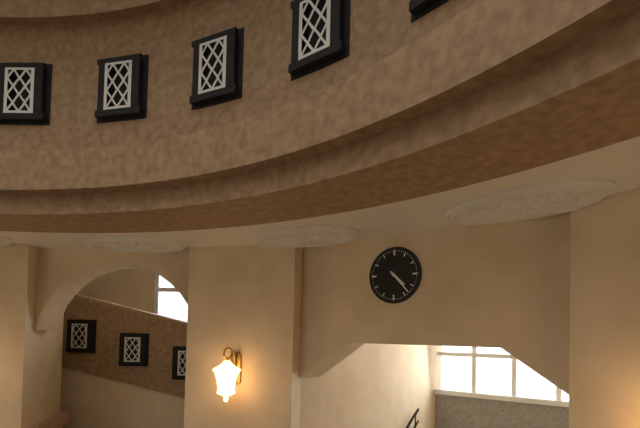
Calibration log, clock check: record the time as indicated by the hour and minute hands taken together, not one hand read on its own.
4:23
